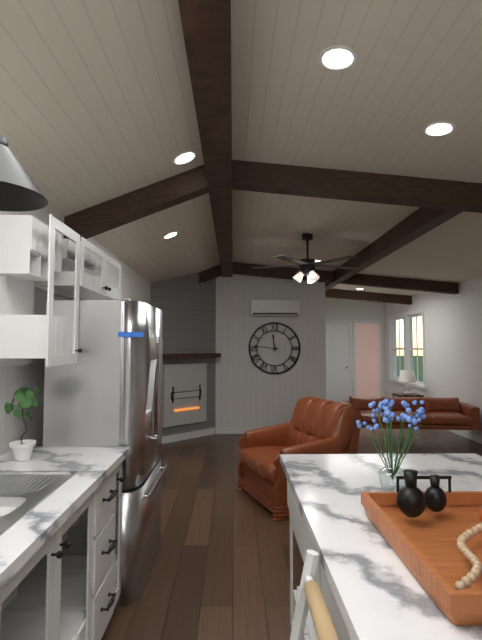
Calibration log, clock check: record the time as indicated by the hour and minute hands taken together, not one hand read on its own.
11:46
